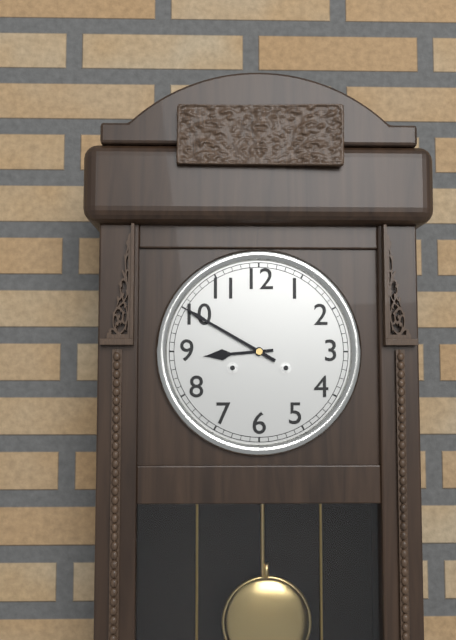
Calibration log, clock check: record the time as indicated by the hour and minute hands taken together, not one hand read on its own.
8:50
